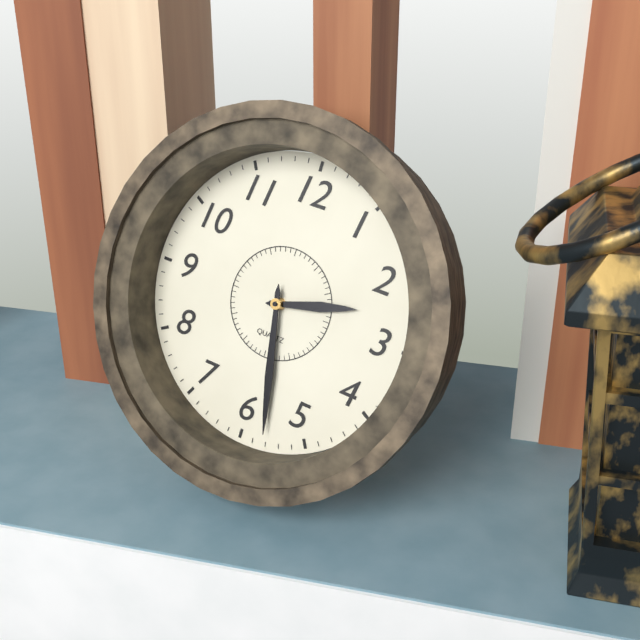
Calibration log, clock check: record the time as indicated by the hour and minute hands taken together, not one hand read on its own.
2:28
